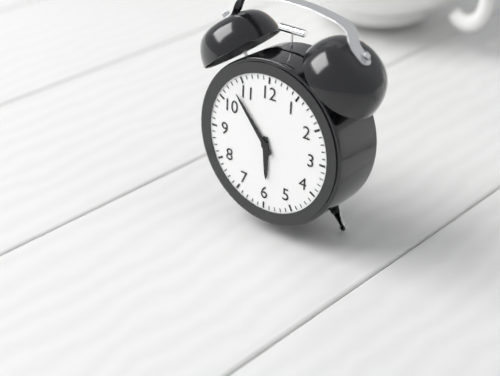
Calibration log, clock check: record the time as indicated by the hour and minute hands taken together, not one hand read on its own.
5:53
